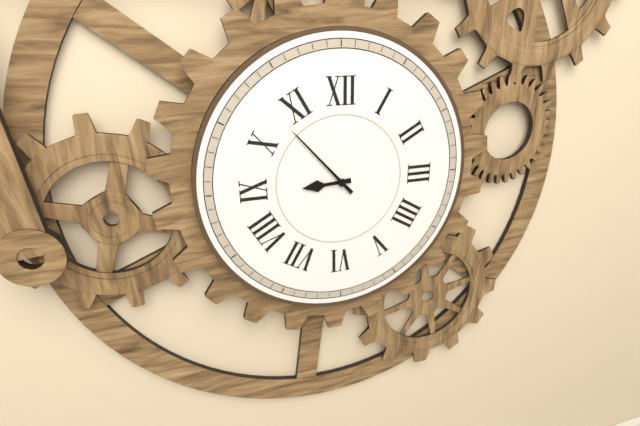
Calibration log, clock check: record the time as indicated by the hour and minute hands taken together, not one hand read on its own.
8:53
